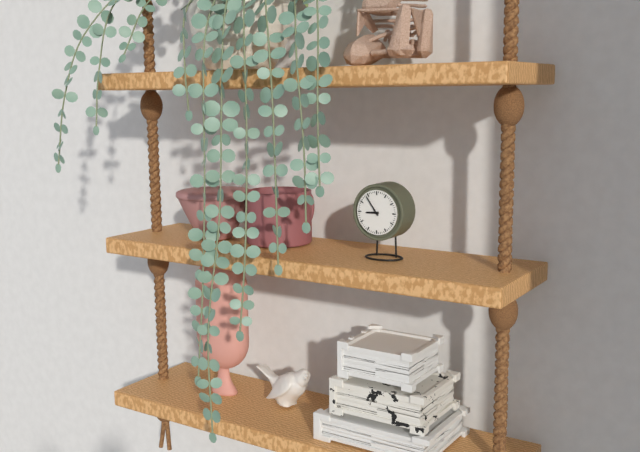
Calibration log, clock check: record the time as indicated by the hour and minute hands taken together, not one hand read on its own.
8:54
